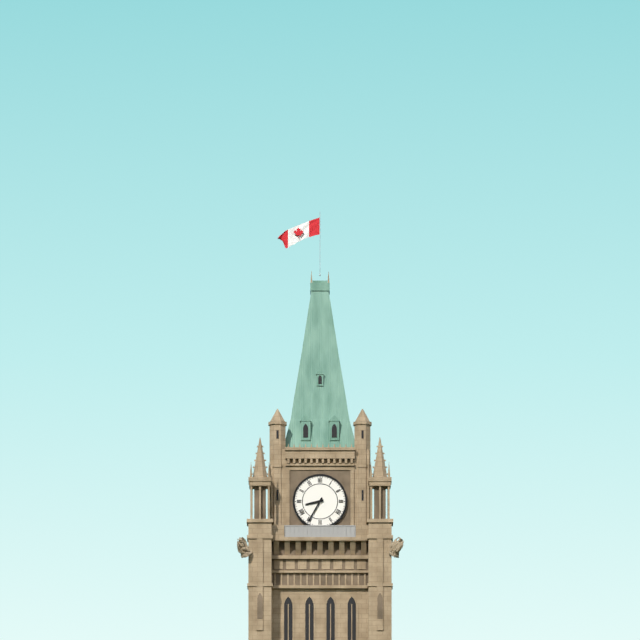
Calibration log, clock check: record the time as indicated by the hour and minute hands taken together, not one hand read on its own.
8:35
